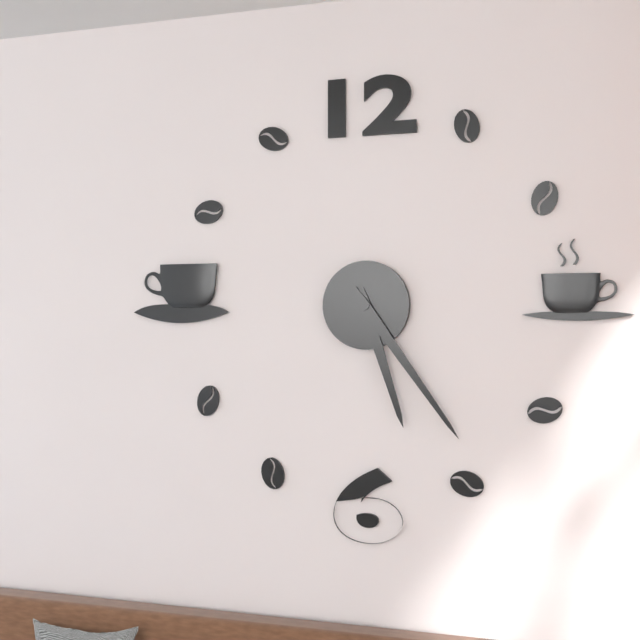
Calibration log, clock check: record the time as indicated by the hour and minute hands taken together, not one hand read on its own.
5:24
